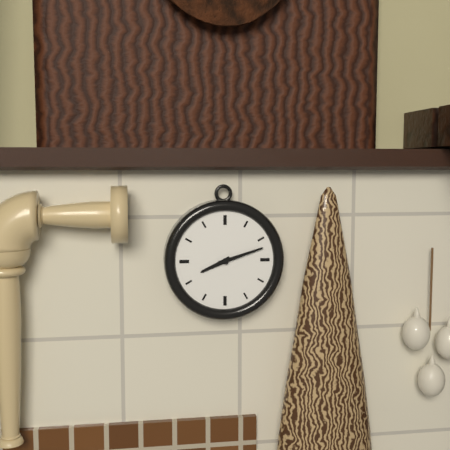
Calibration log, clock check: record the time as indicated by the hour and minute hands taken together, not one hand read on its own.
8:12
